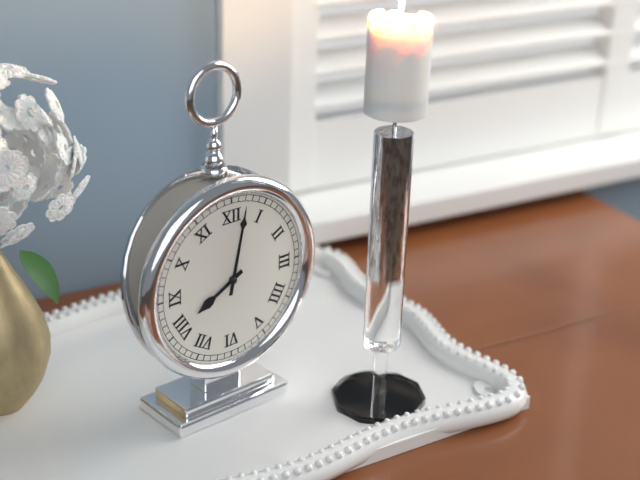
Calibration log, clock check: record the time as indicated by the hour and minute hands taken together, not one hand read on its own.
8:02
